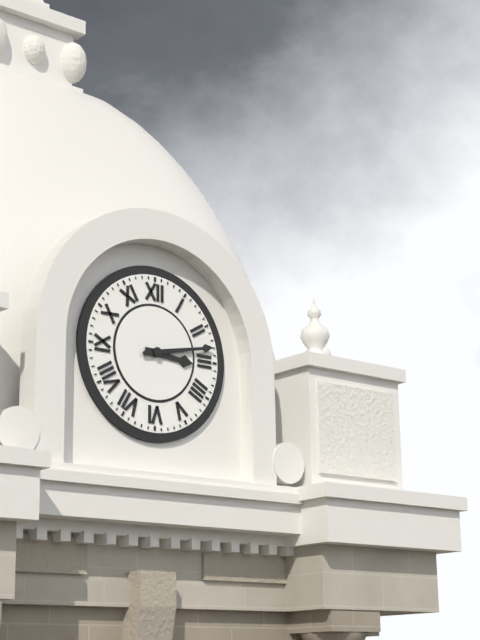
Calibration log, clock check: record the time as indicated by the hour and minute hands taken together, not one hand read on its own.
3:13
